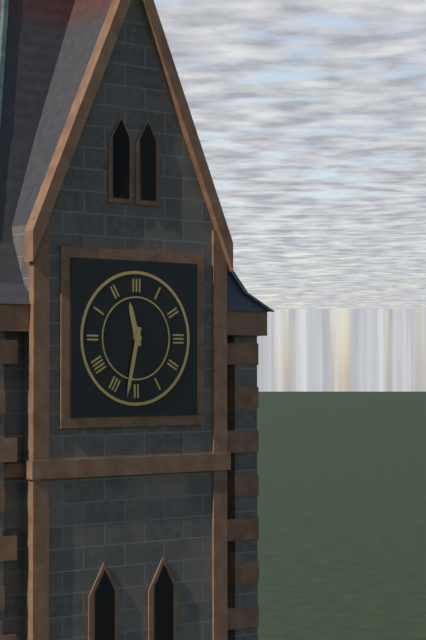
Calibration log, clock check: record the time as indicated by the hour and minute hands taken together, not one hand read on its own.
11:32
